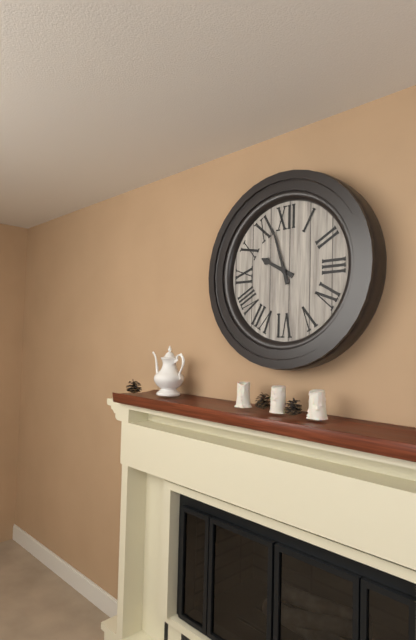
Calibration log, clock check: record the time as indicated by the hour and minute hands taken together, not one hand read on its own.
9:57
